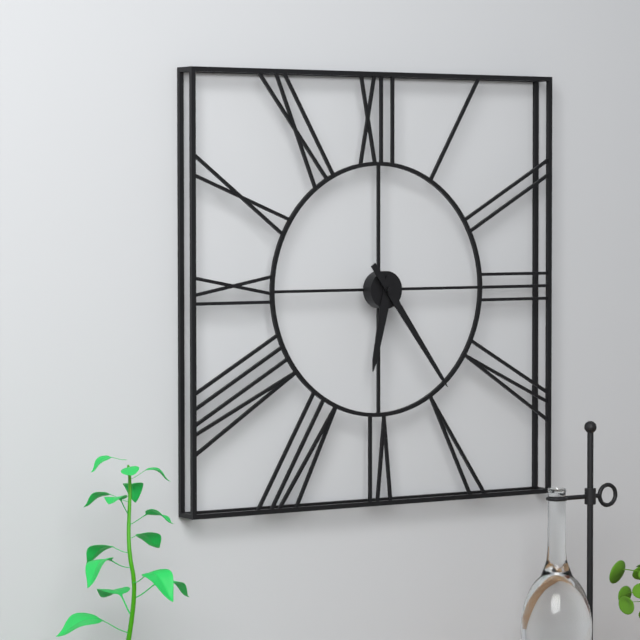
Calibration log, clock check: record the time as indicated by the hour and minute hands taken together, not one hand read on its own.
6:24
